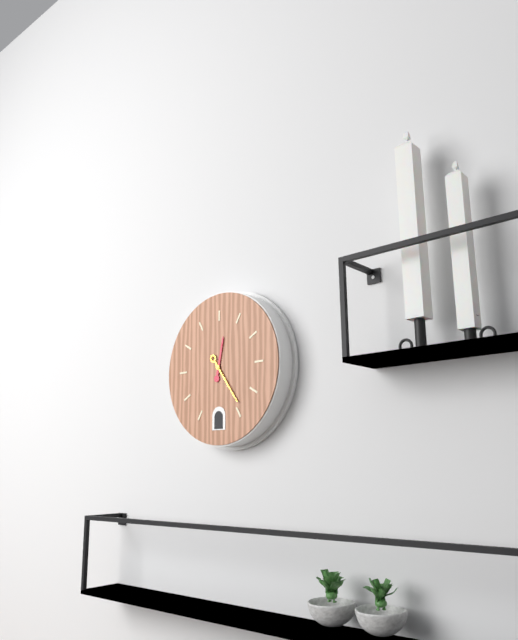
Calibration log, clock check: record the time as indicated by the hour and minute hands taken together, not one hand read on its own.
12:24
